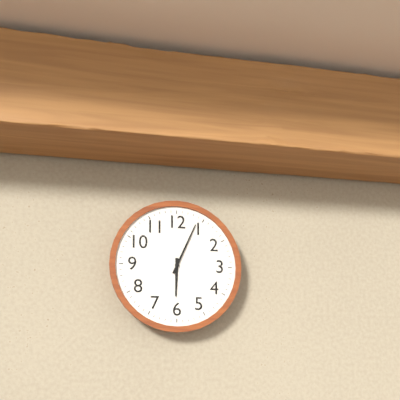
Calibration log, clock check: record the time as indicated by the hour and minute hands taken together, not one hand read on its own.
6:04
